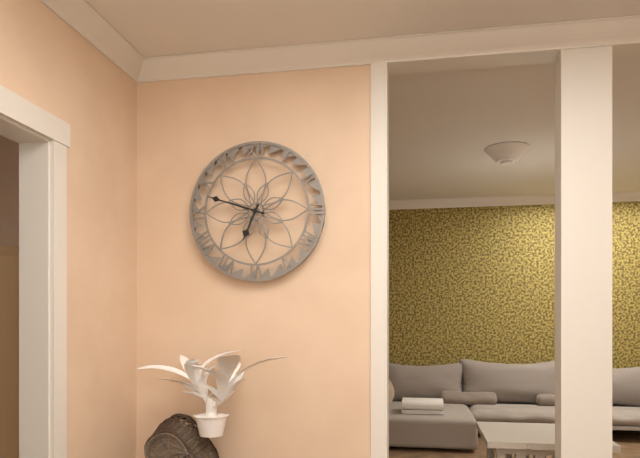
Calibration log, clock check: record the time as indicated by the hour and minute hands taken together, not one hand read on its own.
6:48
